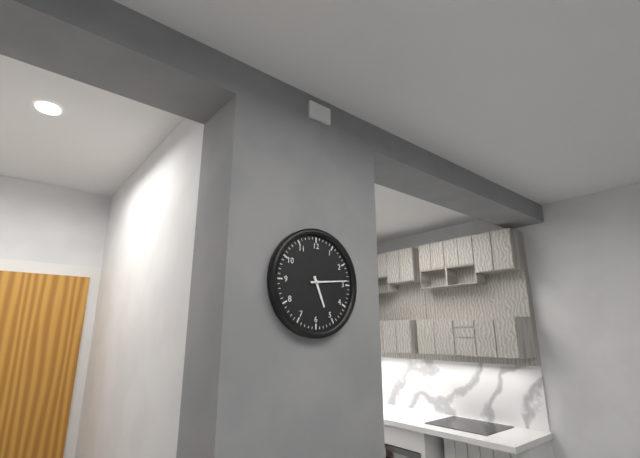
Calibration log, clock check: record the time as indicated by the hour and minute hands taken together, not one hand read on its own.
5:14
